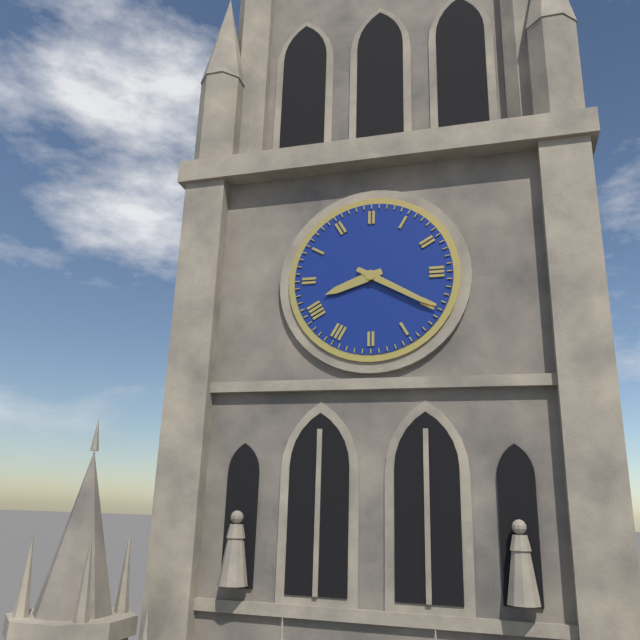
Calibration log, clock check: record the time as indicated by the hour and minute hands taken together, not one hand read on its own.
8:20
